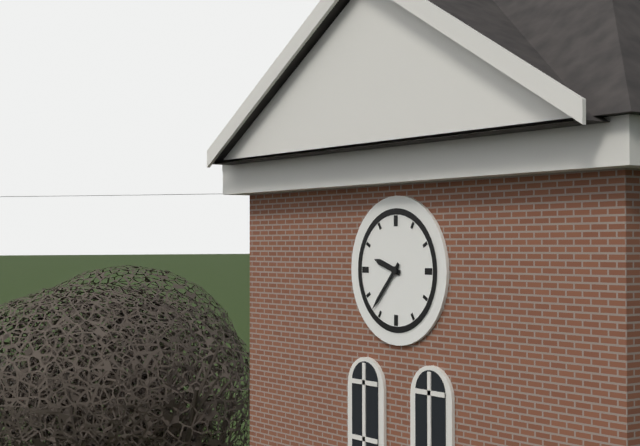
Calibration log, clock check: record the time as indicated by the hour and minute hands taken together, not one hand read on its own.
9:37
